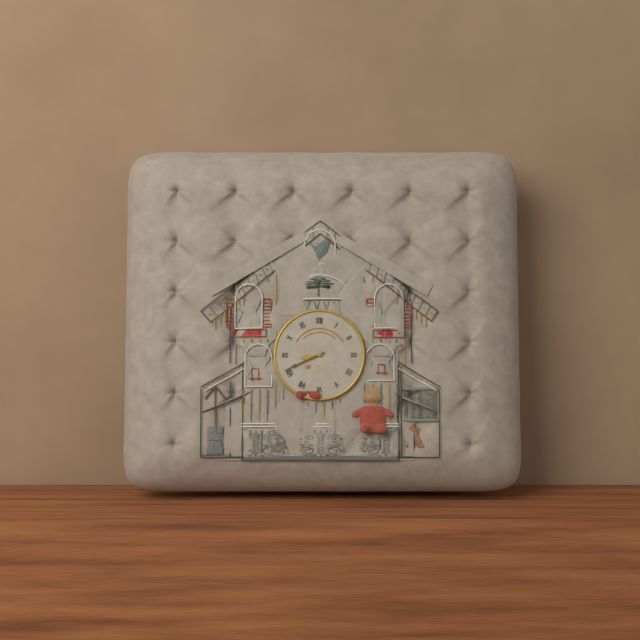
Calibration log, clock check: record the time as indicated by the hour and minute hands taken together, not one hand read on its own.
8:41
